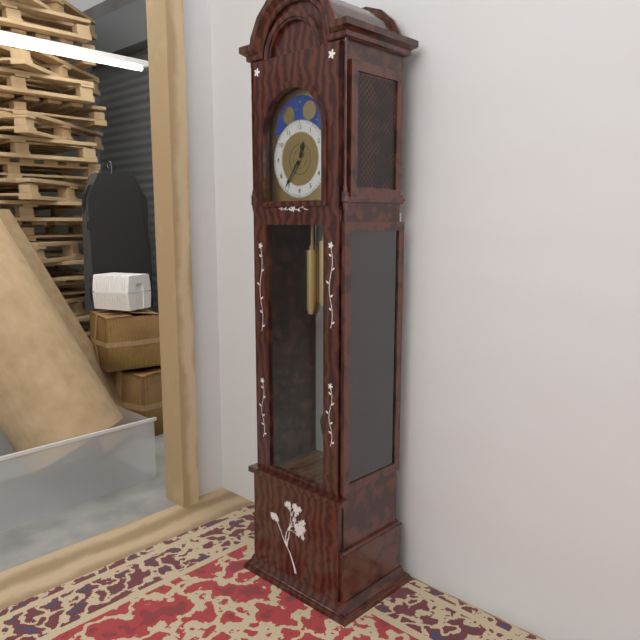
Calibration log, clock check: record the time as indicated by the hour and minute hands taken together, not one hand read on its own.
12:36
